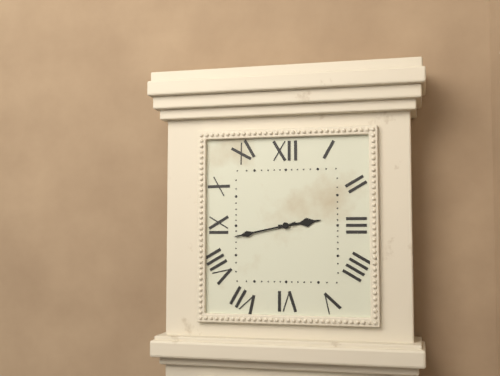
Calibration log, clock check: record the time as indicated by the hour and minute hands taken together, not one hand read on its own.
2:43
